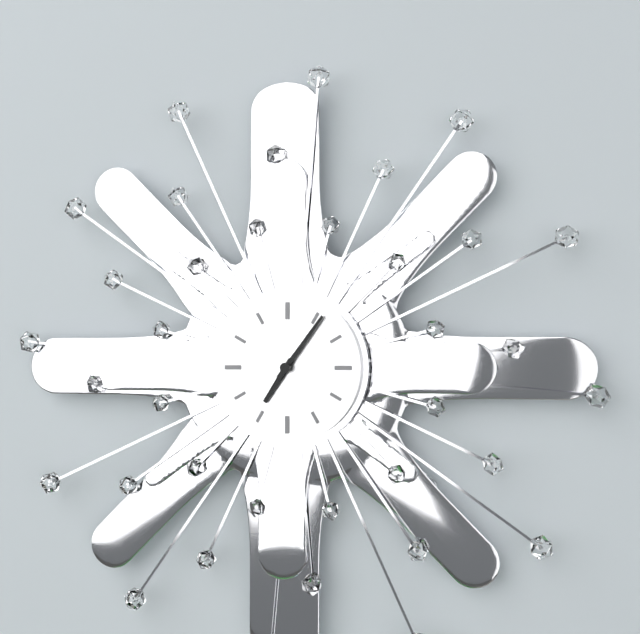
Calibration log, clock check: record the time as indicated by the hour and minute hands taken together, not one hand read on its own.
7:06
